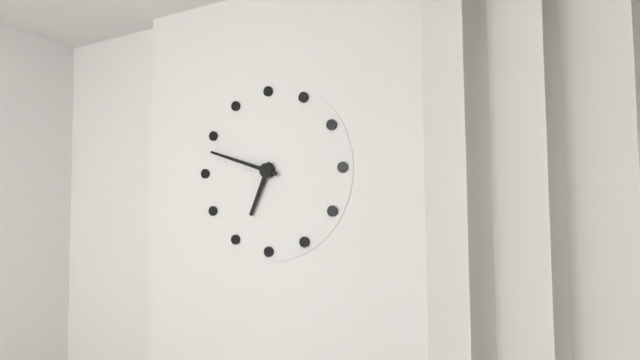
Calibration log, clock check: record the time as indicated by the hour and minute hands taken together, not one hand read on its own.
6:48
